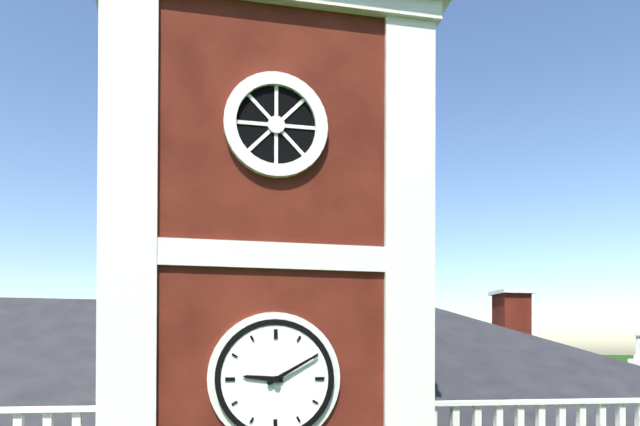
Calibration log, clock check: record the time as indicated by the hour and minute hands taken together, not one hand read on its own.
9:10
